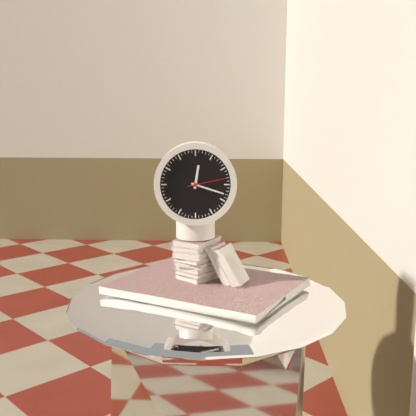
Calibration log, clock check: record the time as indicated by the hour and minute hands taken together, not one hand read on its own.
12:18
